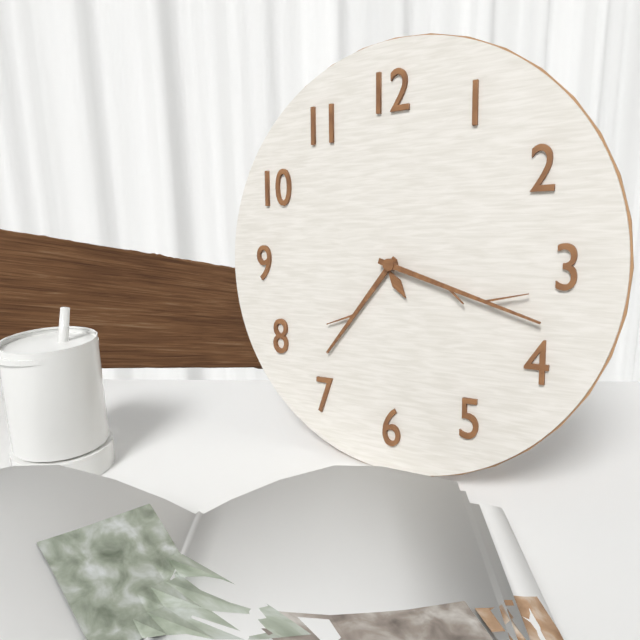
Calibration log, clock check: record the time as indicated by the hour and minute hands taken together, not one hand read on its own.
7:18
